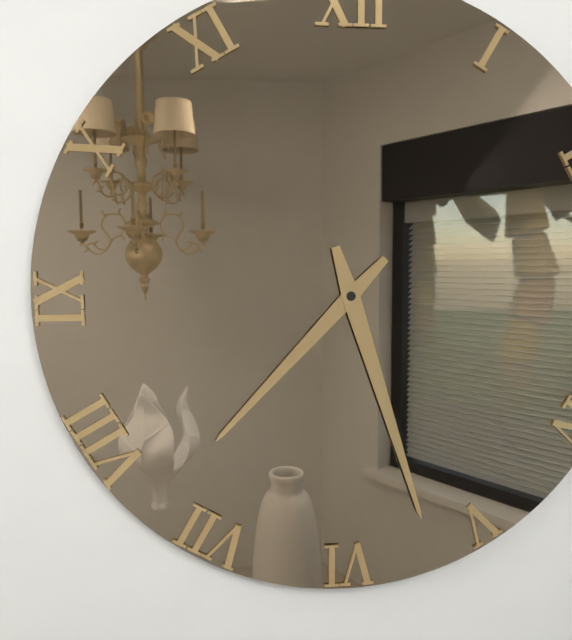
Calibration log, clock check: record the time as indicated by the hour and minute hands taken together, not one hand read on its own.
7:27
